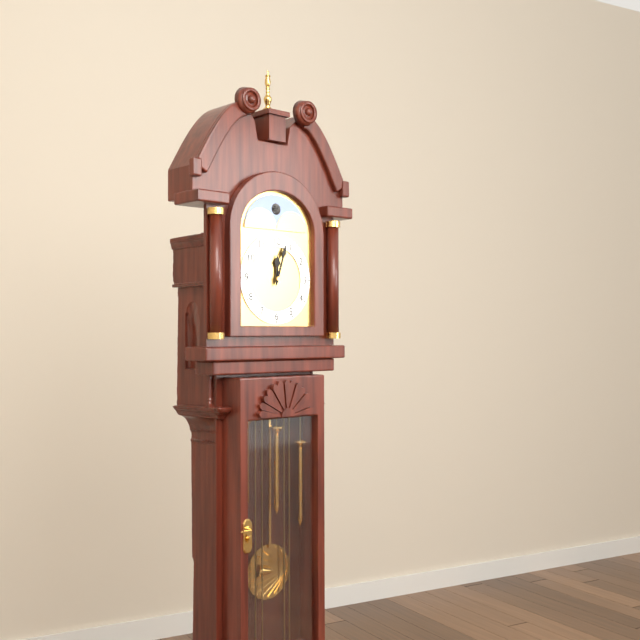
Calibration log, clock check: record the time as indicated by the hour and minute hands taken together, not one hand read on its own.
12:03
